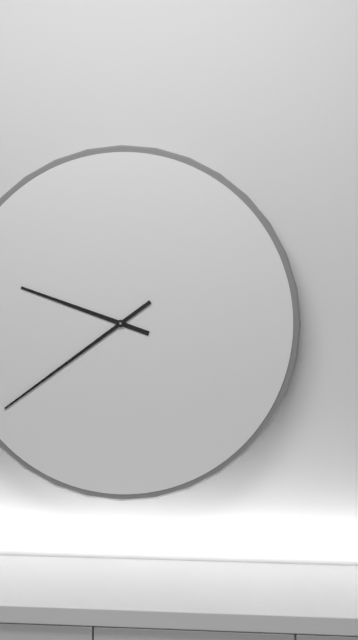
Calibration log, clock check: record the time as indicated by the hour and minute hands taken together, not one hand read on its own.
9:39
